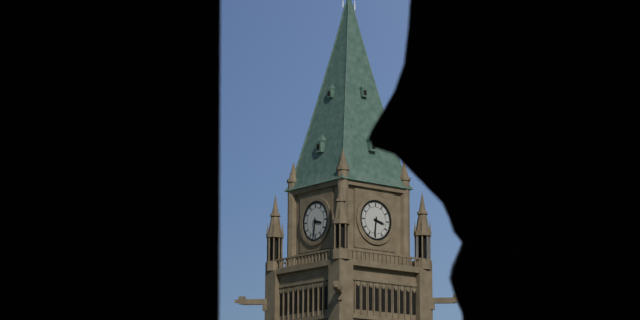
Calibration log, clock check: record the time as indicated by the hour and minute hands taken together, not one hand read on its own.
3:31
